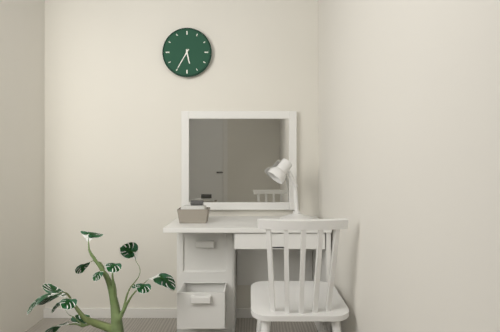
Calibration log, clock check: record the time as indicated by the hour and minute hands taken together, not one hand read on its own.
5:35
